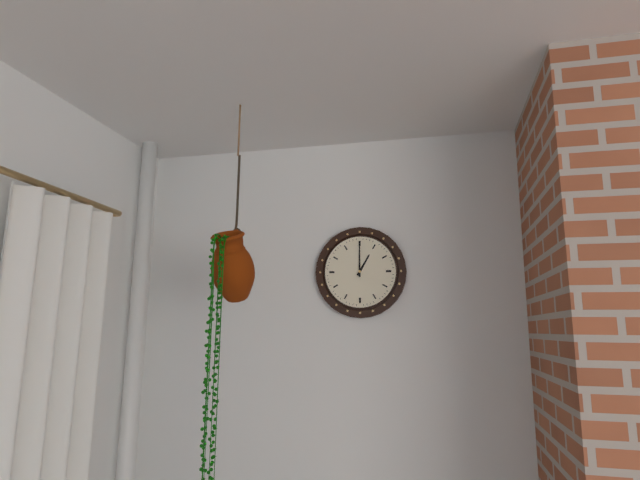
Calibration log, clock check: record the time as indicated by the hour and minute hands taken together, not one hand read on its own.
1:00
